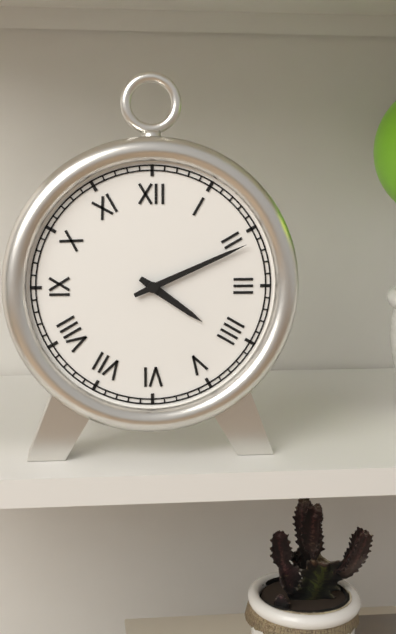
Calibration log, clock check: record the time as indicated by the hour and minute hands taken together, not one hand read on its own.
4:11
